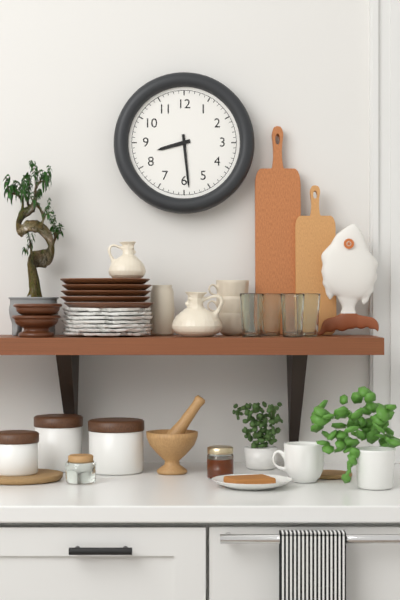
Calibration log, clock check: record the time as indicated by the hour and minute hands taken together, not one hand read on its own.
8:29
